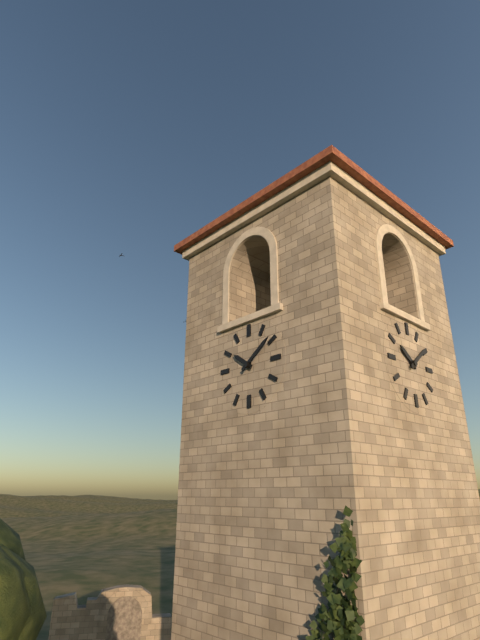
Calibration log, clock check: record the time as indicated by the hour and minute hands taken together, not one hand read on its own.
10:09
